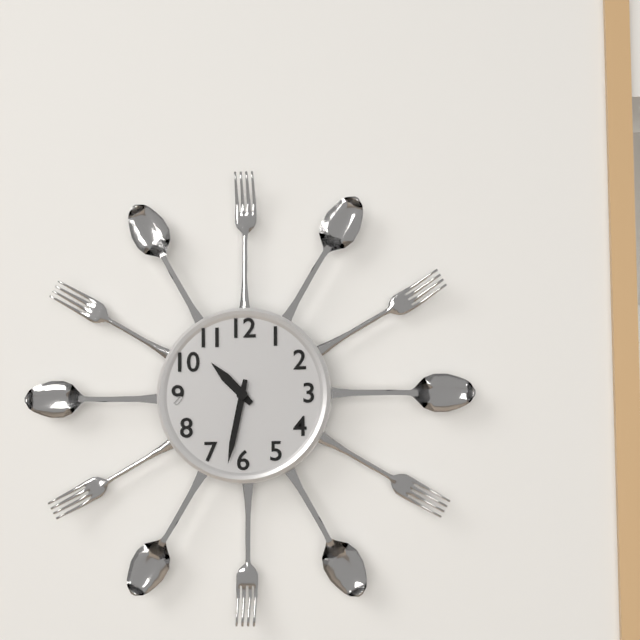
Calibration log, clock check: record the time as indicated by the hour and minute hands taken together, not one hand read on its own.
10:32
